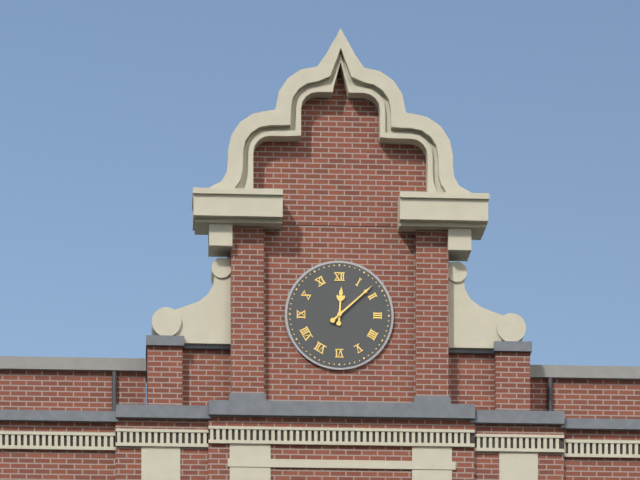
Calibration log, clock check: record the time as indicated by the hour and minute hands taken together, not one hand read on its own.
12:08
